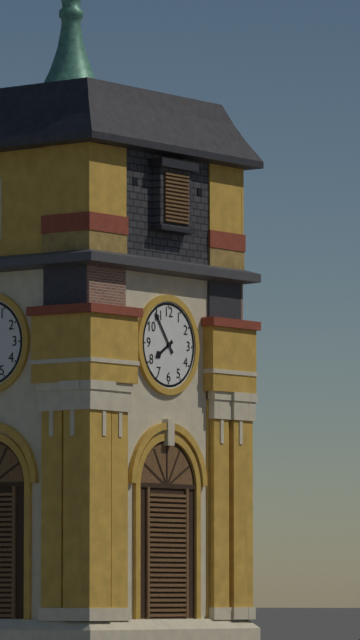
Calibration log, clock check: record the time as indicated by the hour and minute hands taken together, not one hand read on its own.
7:54
